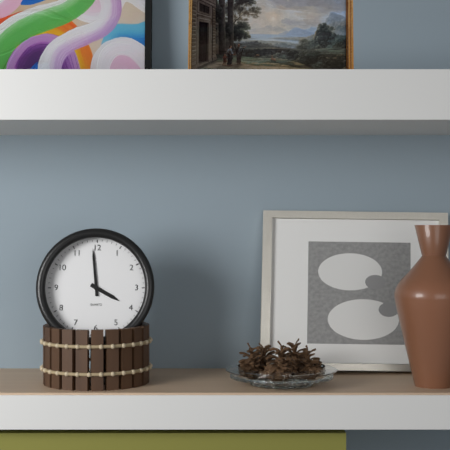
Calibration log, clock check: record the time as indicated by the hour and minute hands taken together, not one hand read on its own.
3:59
